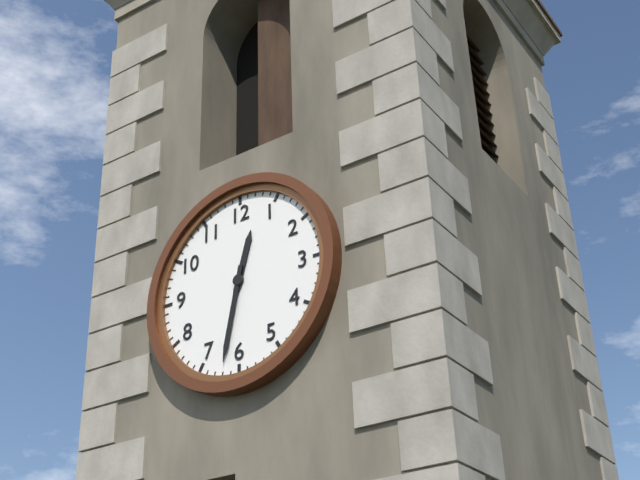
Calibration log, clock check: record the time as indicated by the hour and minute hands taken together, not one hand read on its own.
12:32
